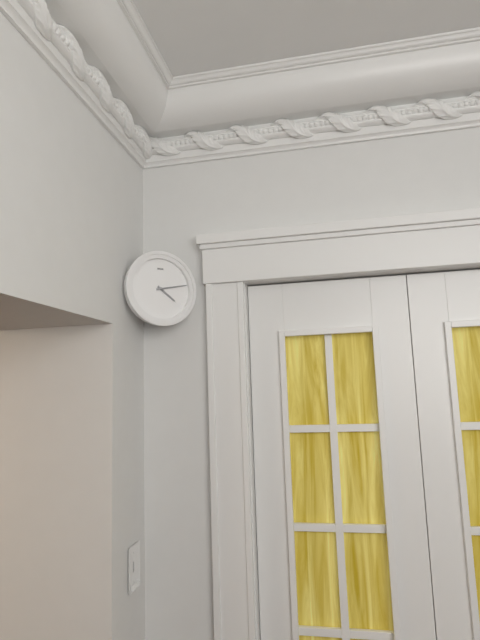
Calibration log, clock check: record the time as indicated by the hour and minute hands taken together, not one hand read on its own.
4:13
